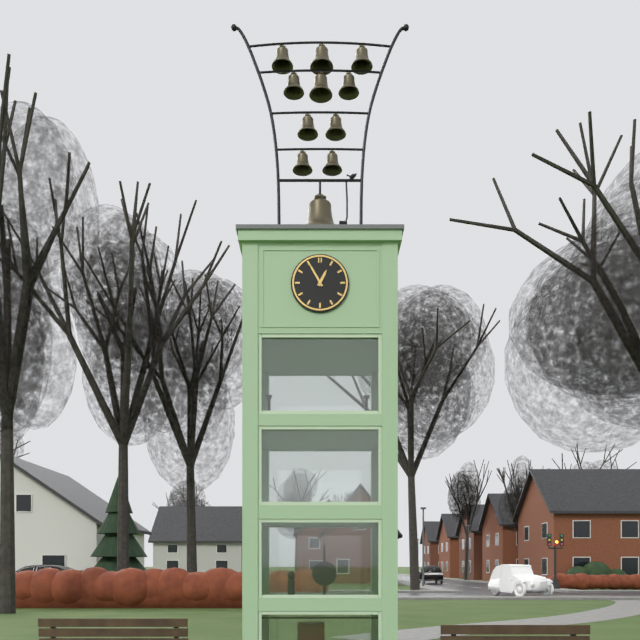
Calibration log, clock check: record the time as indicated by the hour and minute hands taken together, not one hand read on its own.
12:55
